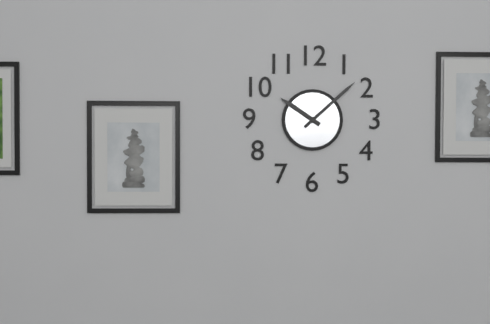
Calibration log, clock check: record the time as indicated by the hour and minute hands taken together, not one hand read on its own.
10:08
